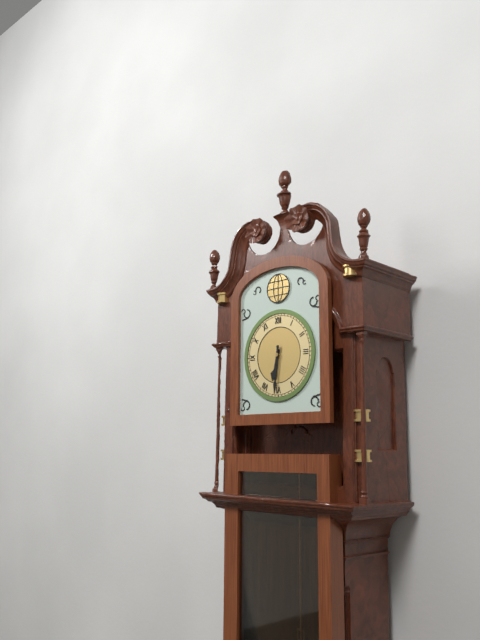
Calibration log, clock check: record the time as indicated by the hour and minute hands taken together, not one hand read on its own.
6:31
